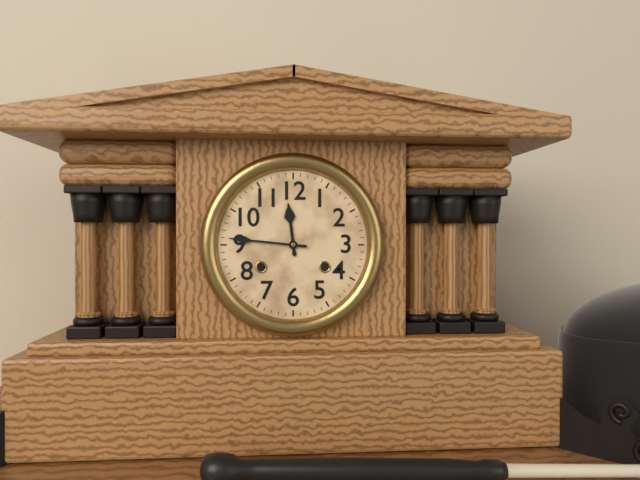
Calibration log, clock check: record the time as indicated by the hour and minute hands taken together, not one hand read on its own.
11:46
